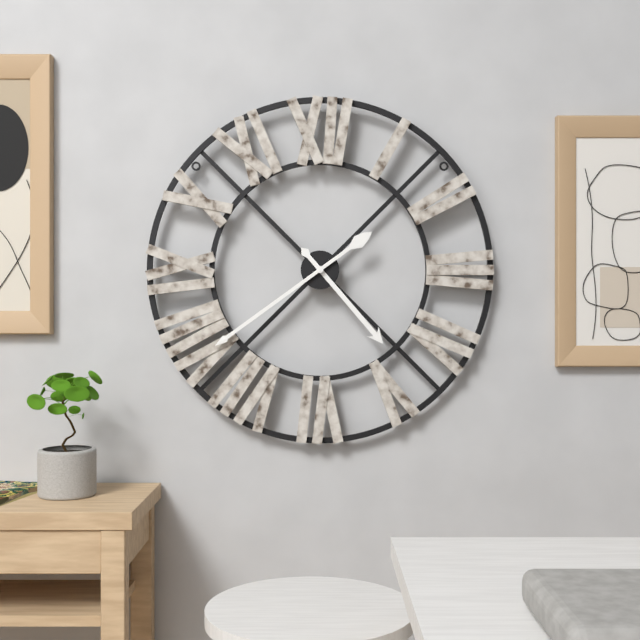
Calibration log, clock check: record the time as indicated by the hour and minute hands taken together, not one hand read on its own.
4:39
